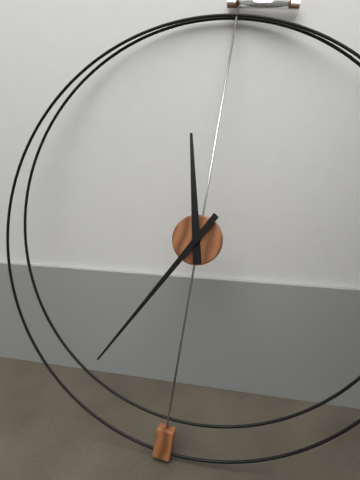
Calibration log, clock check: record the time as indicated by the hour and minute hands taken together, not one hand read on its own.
11:35
